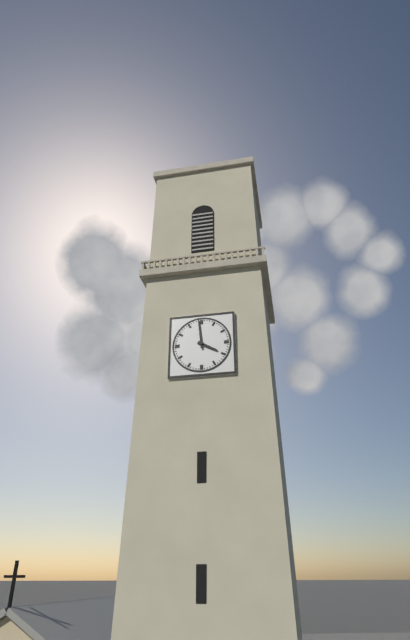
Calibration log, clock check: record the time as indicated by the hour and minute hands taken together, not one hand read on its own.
3:59
